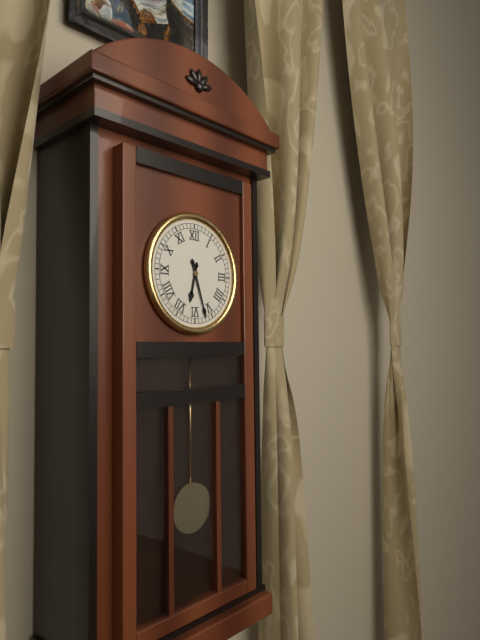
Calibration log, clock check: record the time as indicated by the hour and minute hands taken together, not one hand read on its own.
6:27
